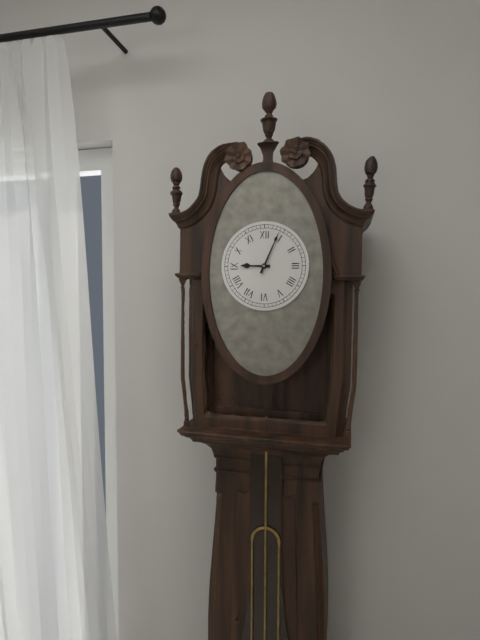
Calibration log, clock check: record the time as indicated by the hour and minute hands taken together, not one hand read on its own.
9:04
